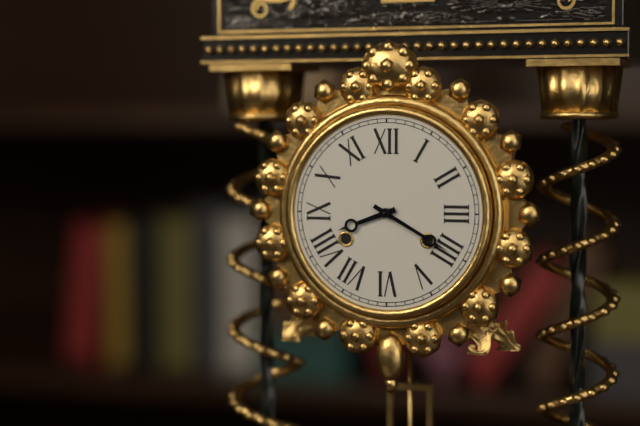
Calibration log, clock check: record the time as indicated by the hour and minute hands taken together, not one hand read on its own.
8:20
